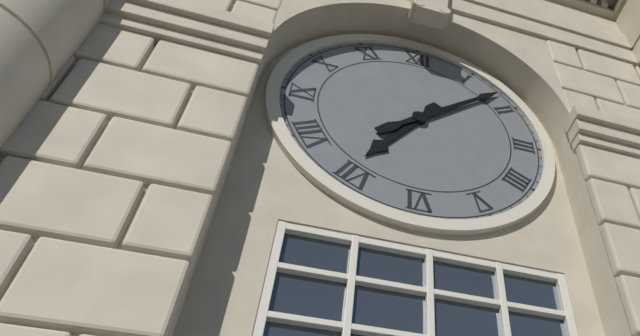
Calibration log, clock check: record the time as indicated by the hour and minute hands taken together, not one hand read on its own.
7:08
